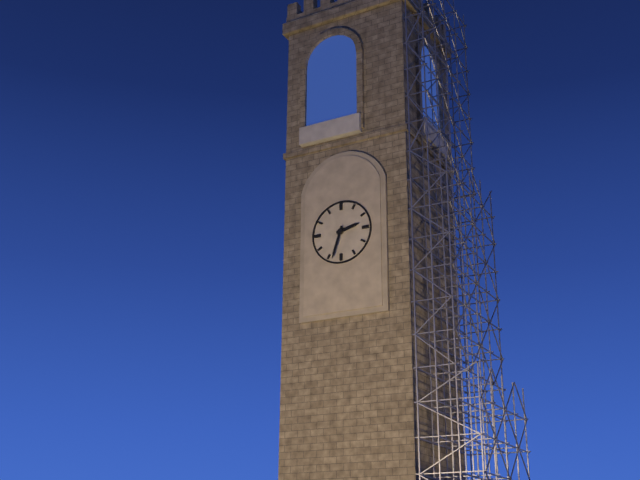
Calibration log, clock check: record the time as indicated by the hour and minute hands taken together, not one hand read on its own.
2:33
